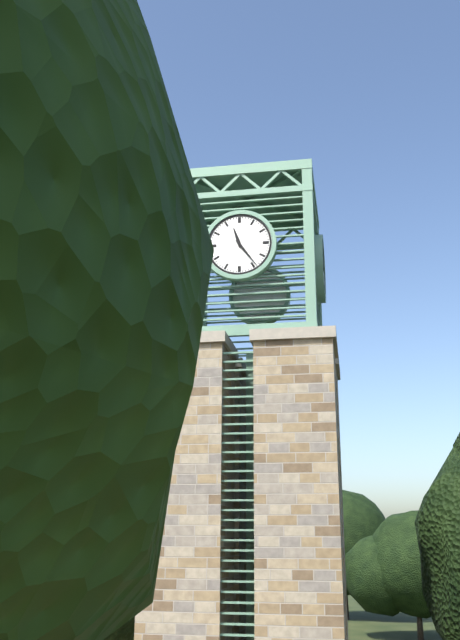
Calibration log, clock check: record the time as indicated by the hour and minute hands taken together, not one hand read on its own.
11:24
